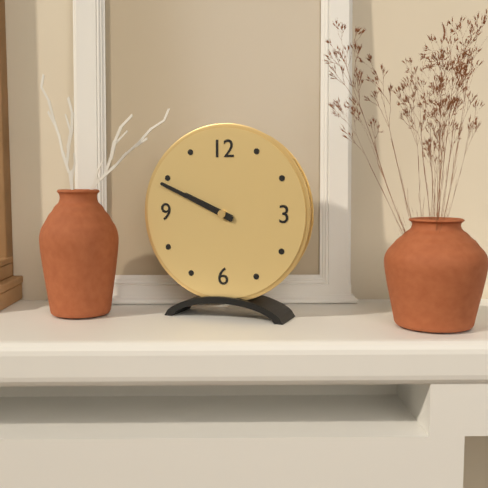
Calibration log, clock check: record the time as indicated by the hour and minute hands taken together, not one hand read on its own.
9:49
